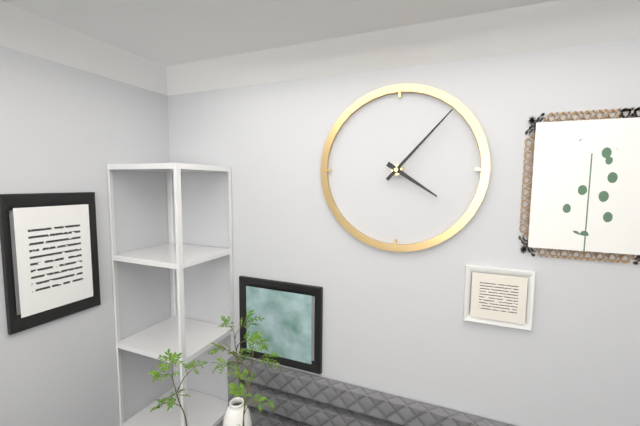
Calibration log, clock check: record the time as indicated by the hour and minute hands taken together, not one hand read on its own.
4:07
